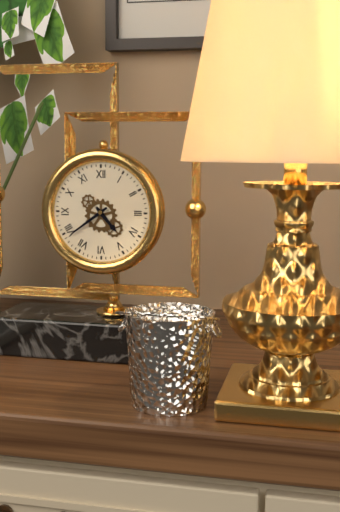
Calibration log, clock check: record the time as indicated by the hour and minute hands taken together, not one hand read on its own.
4:39
